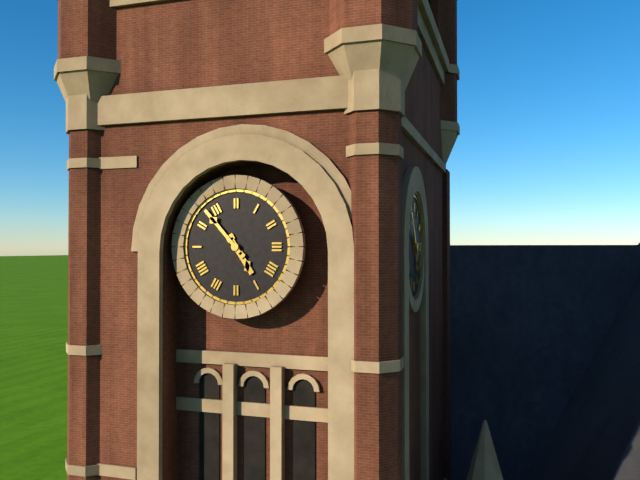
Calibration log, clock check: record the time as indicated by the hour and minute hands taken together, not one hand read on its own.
4:53
